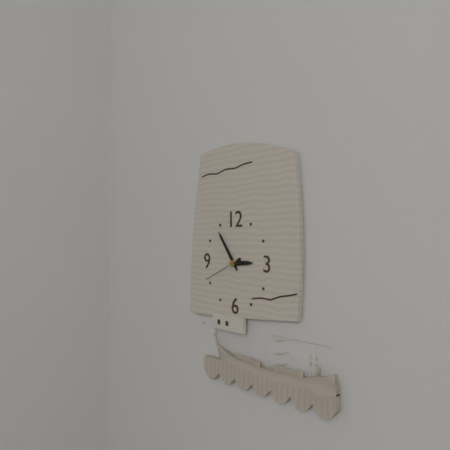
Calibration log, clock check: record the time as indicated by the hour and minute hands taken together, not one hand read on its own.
2:54
